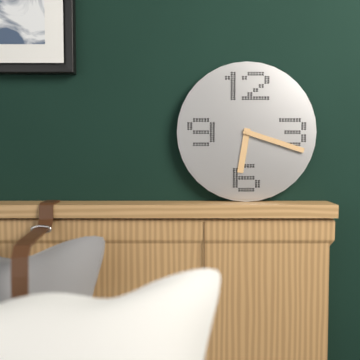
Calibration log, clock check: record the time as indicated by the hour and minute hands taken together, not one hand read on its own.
6:18
